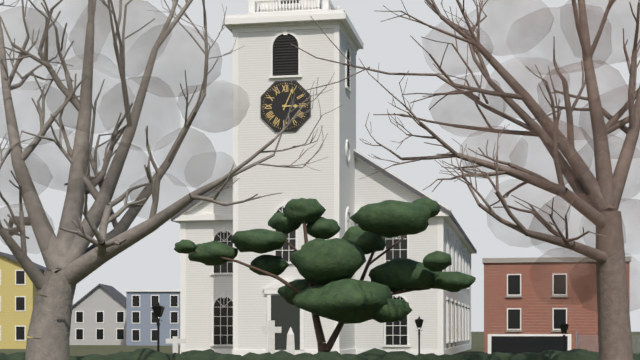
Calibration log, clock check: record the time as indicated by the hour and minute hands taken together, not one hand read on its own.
3:04
